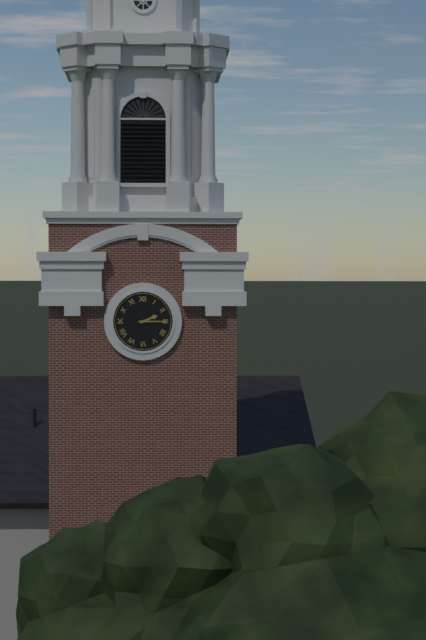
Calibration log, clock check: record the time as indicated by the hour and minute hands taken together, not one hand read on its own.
2:15
